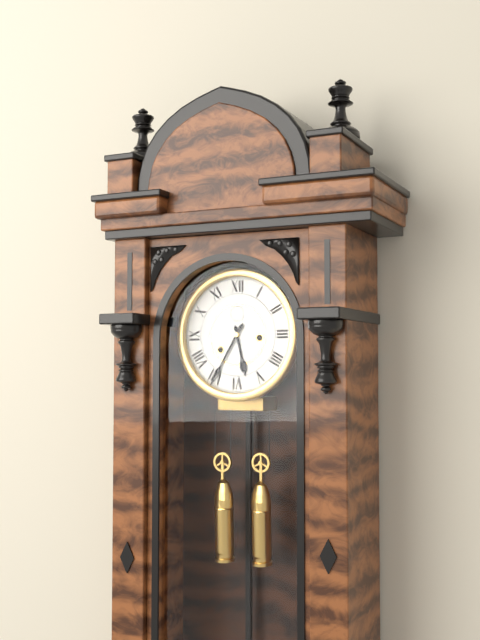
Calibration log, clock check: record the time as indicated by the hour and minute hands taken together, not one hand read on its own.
5:35
